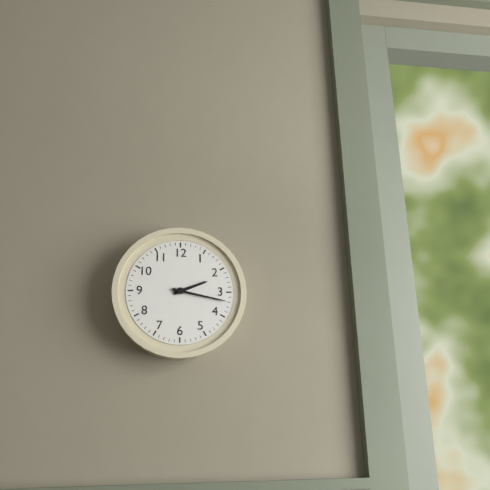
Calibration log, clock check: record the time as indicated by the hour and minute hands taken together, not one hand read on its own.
2:17
